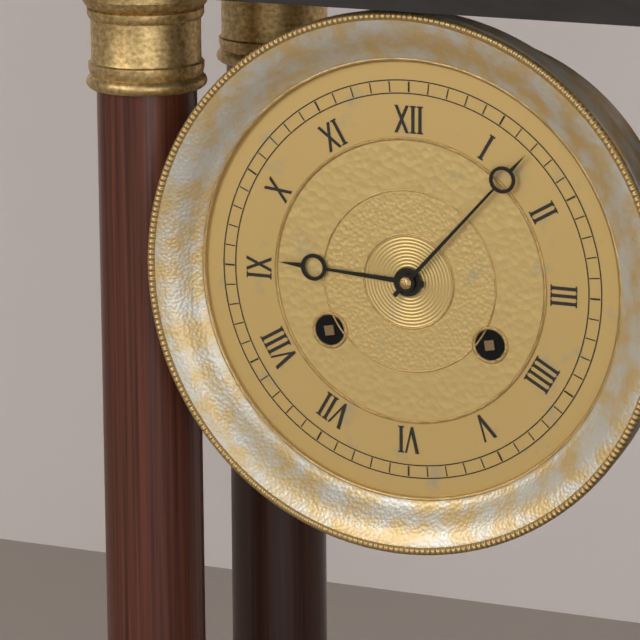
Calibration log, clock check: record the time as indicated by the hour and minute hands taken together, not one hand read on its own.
9:07
